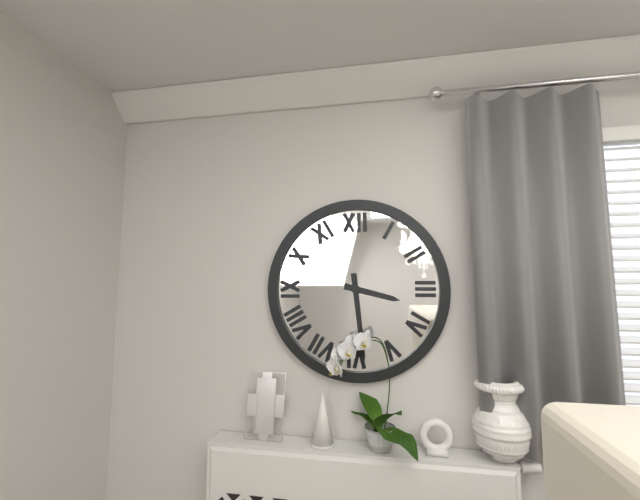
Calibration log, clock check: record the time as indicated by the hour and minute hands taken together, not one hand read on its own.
3:29
